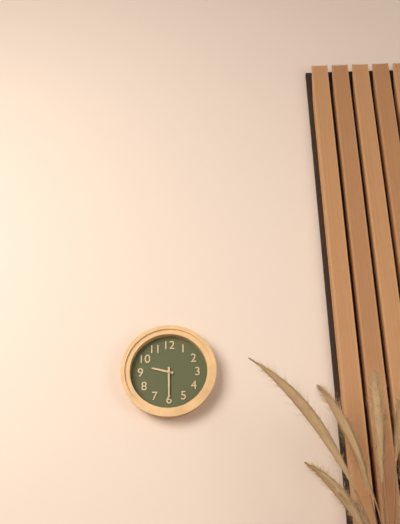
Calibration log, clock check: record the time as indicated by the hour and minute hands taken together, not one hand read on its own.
9:30
